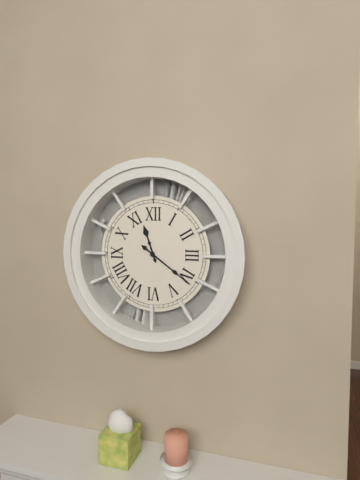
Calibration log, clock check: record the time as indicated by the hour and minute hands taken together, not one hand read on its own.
11:21
